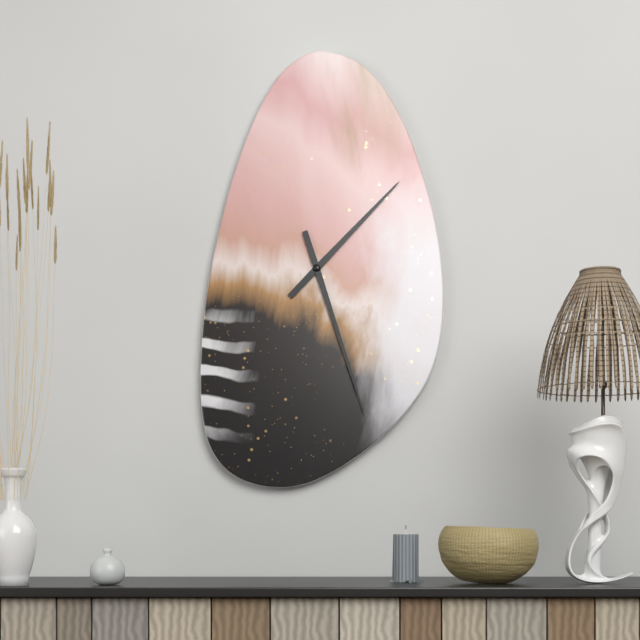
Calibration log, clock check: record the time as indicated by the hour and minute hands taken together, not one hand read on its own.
1:27
